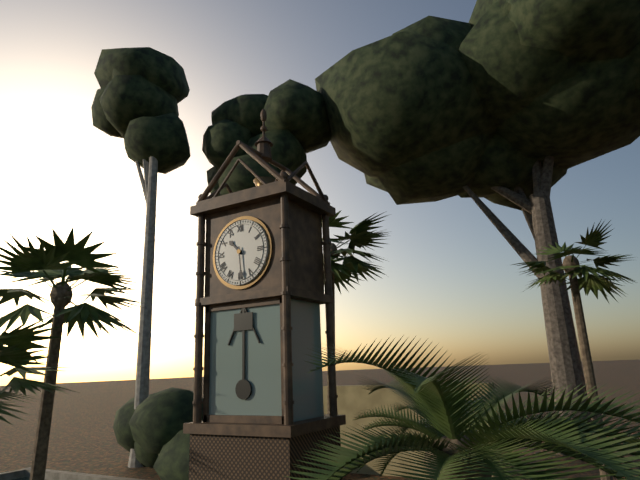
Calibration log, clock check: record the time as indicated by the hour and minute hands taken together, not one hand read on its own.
10:29
